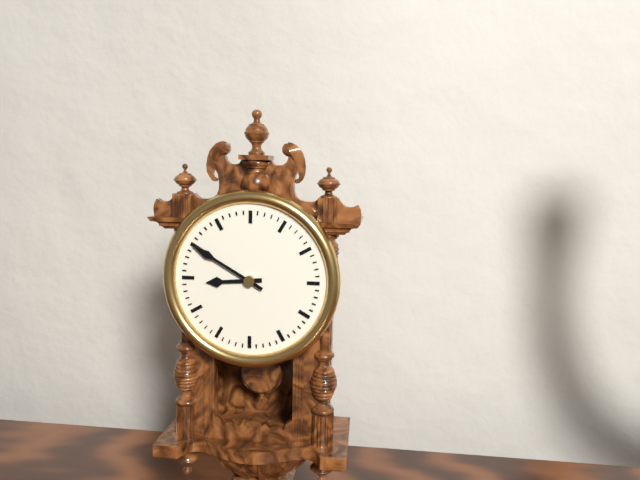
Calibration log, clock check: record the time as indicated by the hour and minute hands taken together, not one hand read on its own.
8:50
